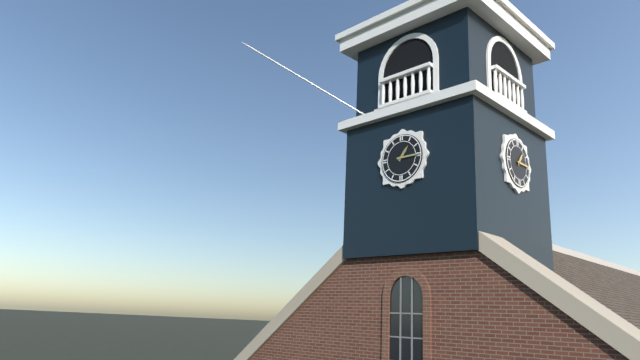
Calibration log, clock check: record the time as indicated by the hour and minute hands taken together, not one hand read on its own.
1:15
